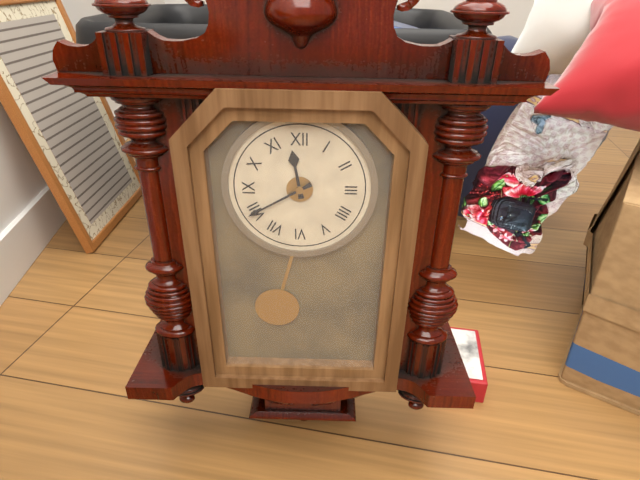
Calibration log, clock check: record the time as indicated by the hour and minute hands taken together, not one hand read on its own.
11:40
